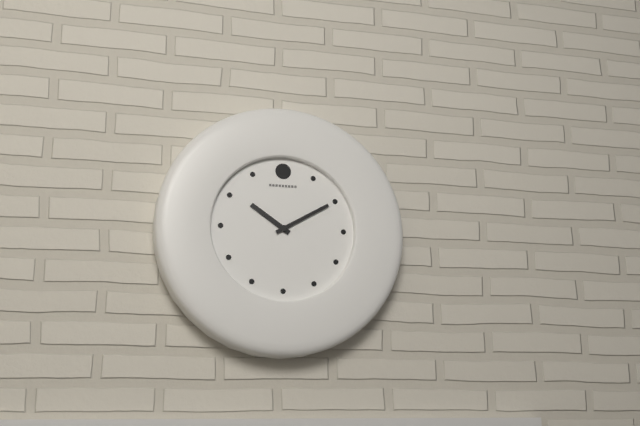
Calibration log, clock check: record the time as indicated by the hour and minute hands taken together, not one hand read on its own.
10:10
